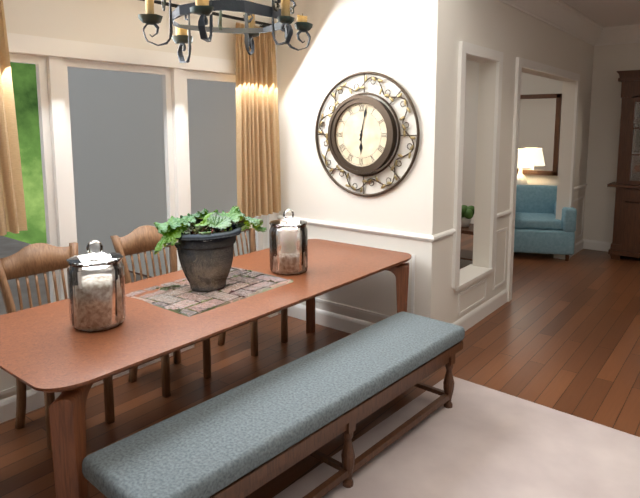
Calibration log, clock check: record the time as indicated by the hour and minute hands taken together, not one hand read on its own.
6:02
